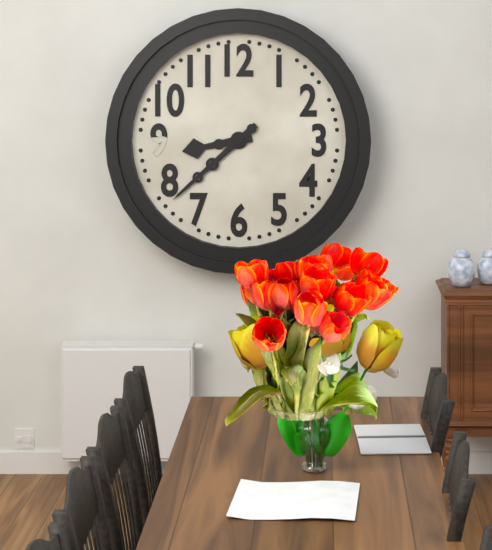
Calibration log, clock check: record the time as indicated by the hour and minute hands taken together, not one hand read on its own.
8:38
